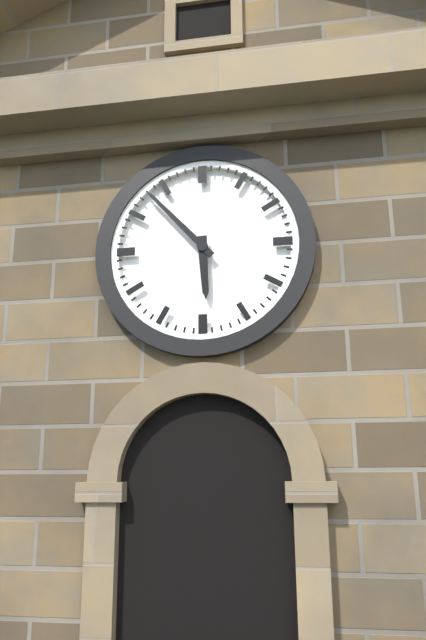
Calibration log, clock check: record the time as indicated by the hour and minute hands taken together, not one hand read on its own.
5:53
